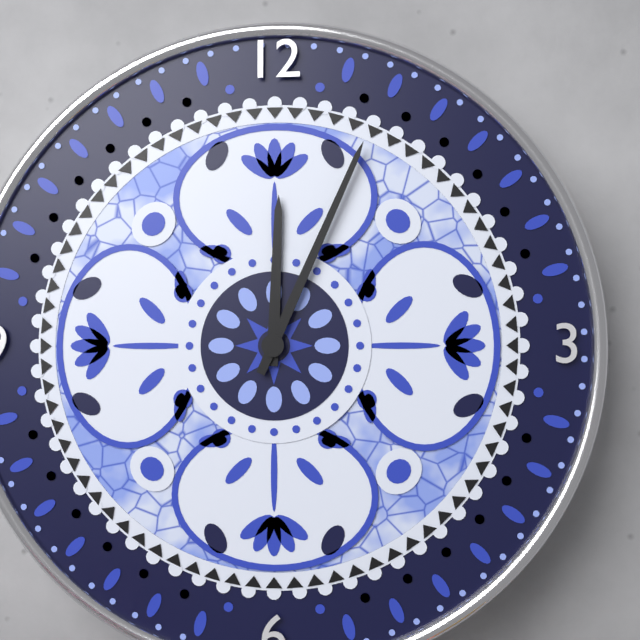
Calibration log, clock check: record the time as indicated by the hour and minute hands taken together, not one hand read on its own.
12:04
